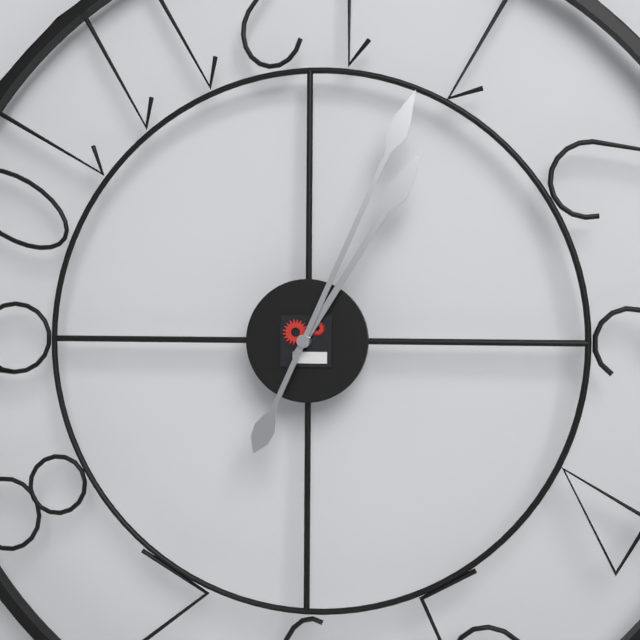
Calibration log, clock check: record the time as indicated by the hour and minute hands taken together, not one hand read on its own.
1:04
